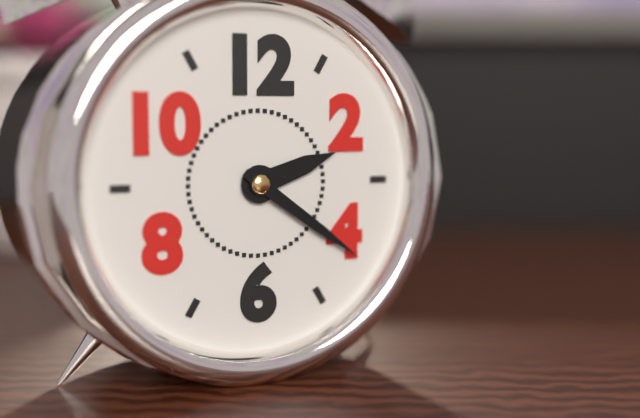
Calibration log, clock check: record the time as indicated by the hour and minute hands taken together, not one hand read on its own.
2:21
